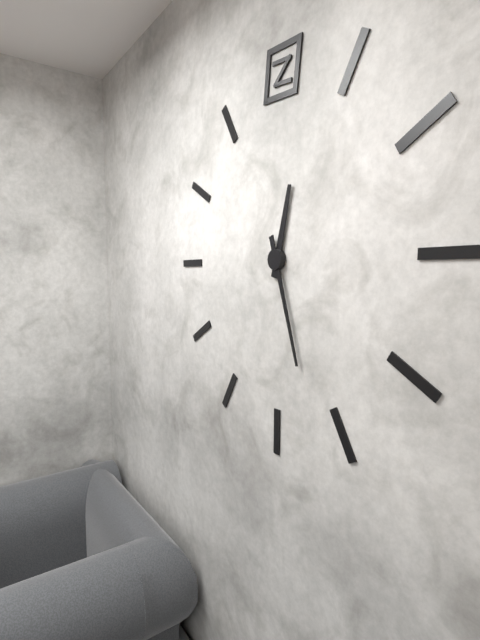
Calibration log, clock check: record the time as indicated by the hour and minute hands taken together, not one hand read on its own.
12:27
